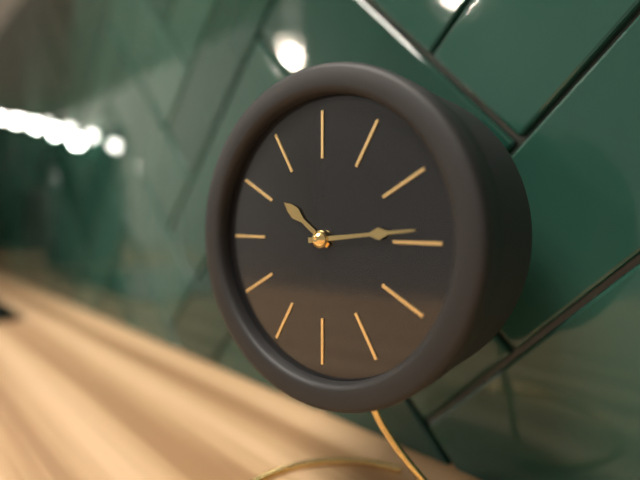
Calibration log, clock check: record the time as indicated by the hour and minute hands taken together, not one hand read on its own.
10:14
